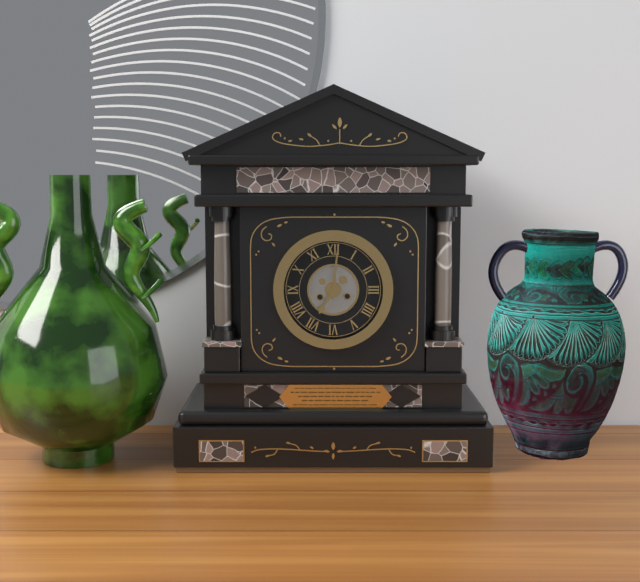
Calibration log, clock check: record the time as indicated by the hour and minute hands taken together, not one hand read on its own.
7:01
